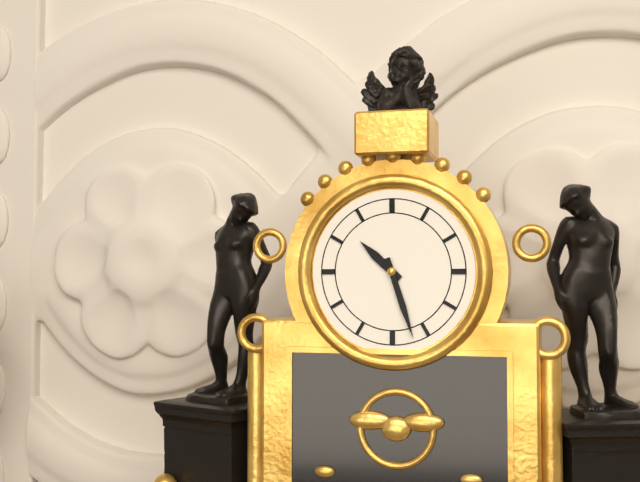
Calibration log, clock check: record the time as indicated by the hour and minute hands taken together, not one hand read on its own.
10:27
